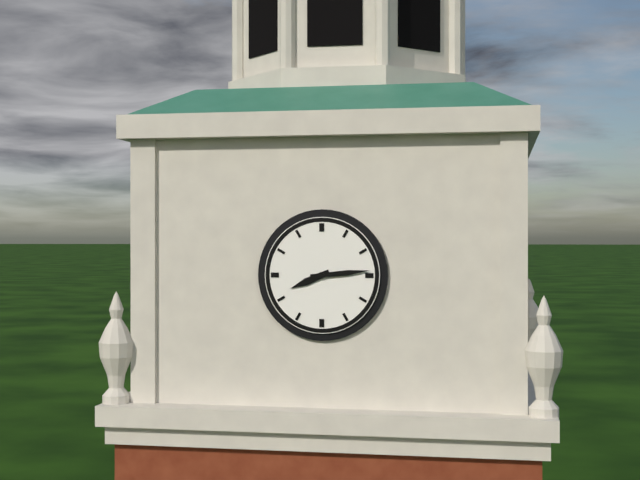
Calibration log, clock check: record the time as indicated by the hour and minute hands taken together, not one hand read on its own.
8:14
